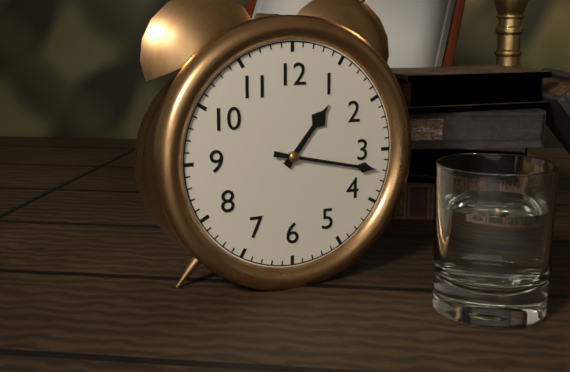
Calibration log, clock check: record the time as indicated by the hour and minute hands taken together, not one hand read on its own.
1:17
